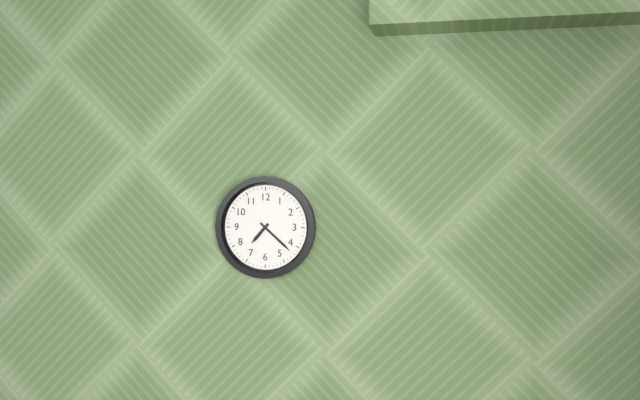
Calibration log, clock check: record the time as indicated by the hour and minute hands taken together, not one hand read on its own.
7:22
